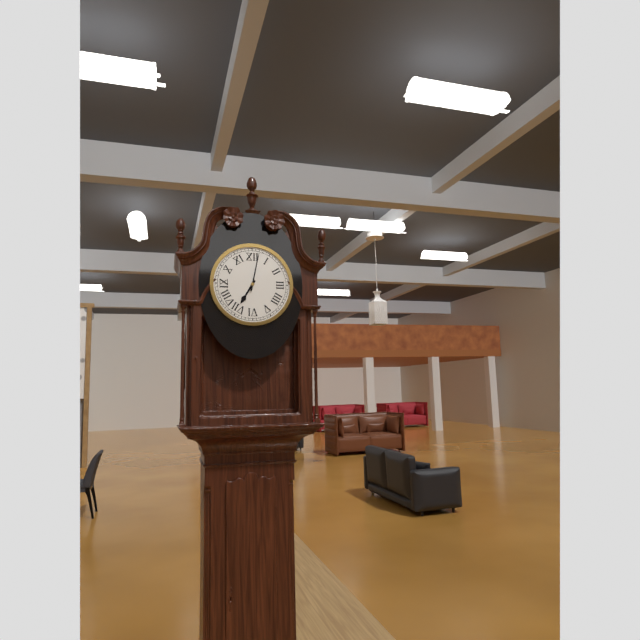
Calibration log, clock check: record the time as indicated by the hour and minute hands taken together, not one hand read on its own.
7:02
